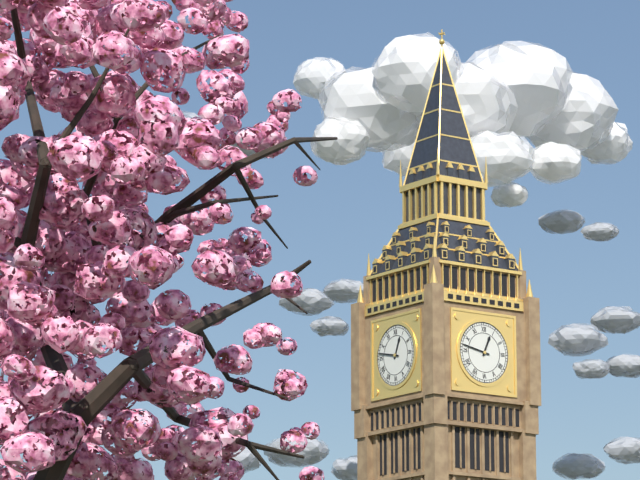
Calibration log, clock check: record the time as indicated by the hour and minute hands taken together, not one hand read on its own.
12:47
